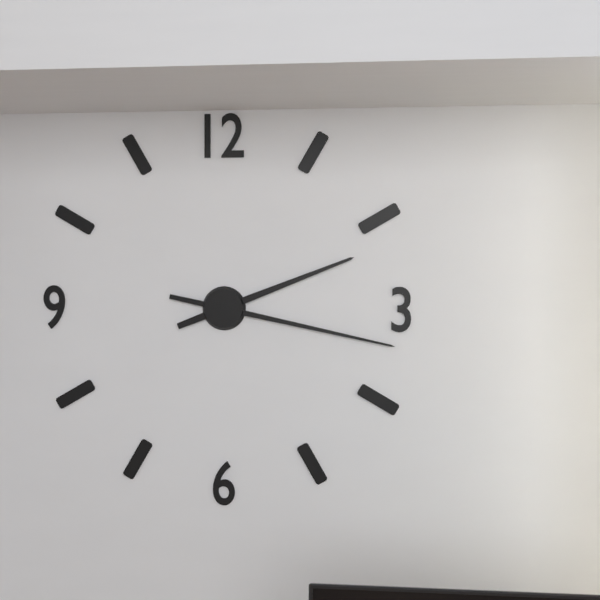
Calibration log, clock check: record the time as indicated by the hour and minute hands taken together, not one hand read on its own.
2:17
